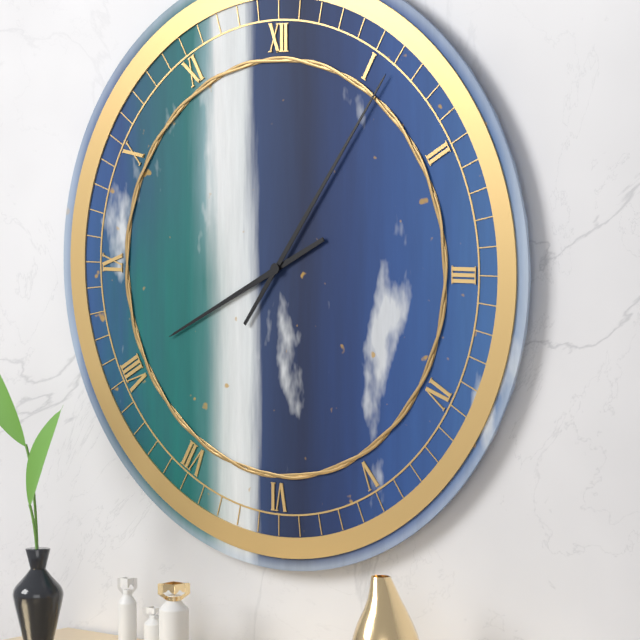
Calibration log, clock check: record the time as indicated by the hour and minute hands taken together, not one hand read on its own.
8:06
